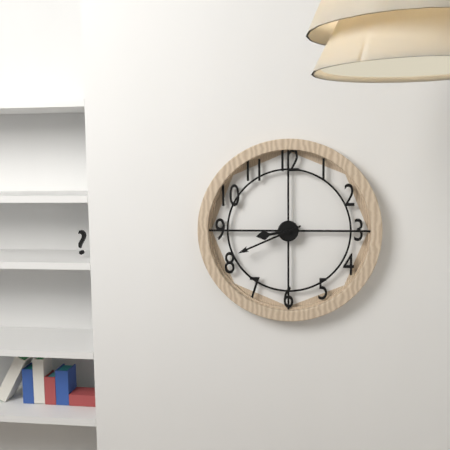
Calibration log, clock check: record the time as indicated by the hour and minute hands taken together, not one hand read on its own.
8:41
